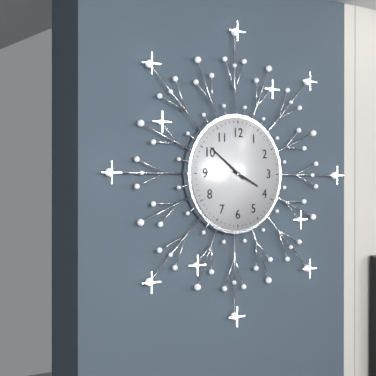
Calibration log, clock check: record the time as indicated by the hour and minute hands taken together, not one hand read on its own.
3:51
